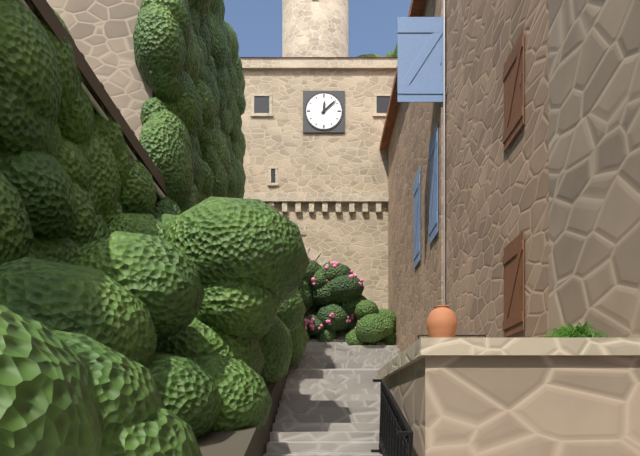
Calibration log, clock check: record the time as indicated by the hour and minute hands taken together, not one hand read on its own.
12:08
